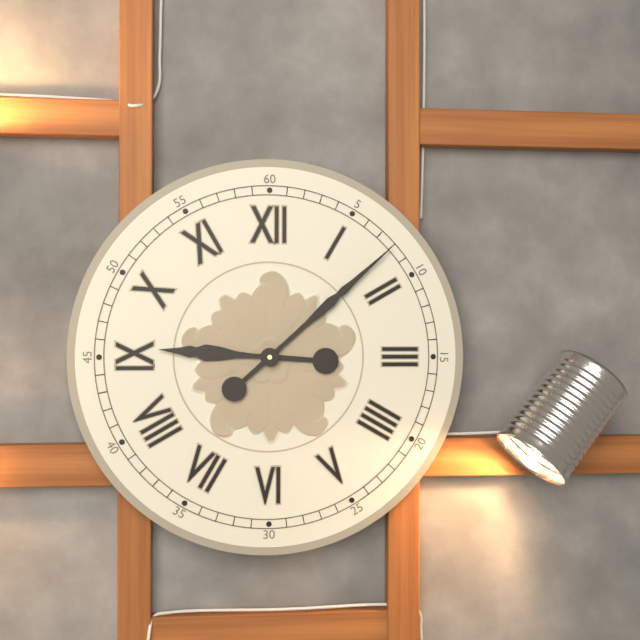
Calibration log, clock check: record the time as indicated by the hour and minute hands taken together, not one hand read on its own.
9:08
